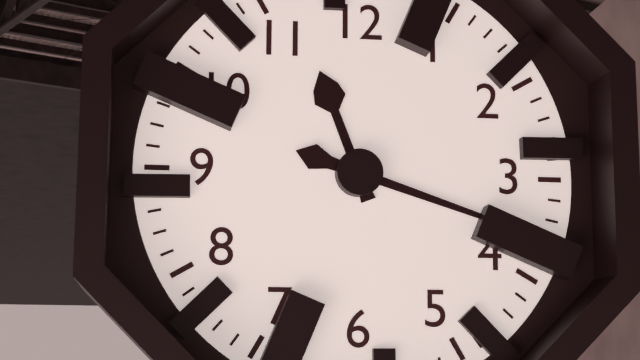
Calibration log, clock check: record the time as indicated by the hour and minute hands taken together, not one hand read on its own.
11:18
